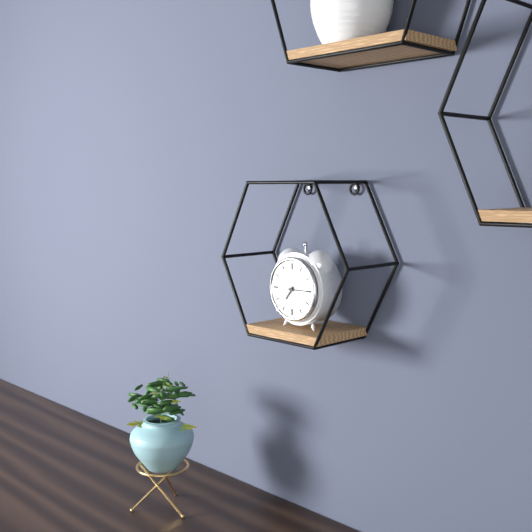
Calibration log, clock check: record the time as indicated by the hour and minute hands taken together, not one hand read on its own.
7:15
